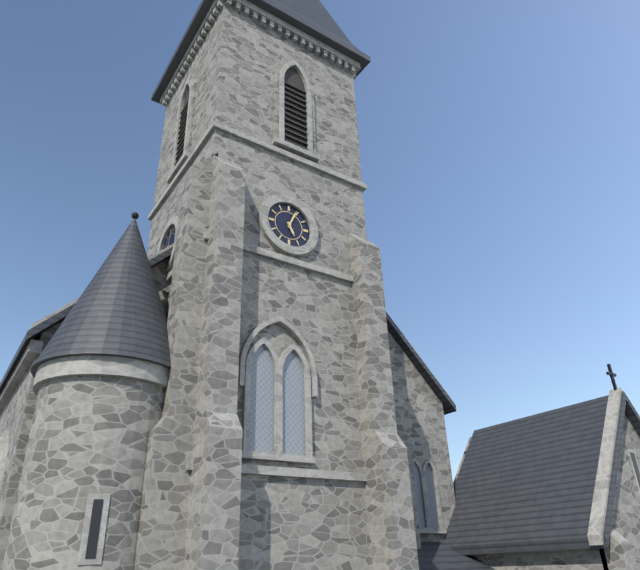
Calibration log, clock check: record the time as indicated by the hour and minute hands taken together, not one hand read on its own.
5:04
